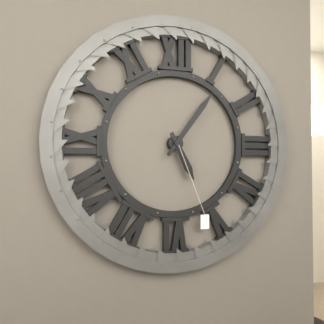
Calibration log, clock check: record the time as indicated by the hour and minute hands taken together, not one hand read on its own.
5:06
